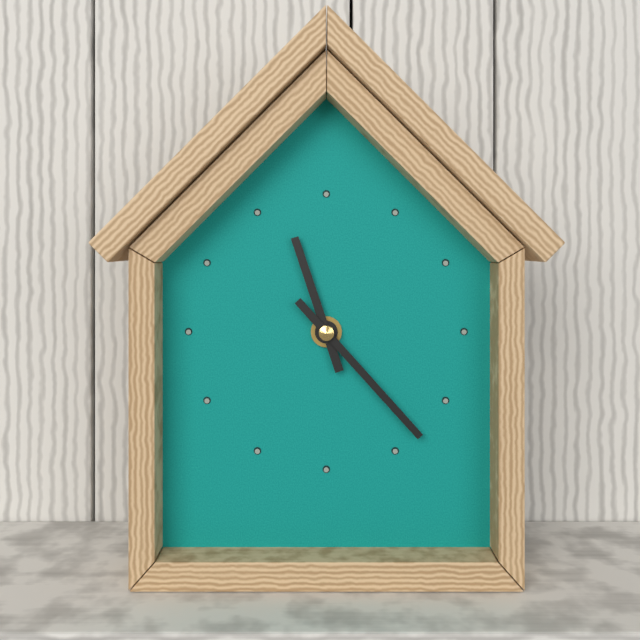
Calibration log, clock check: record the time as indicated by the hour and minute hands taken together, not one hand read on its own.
11:23
